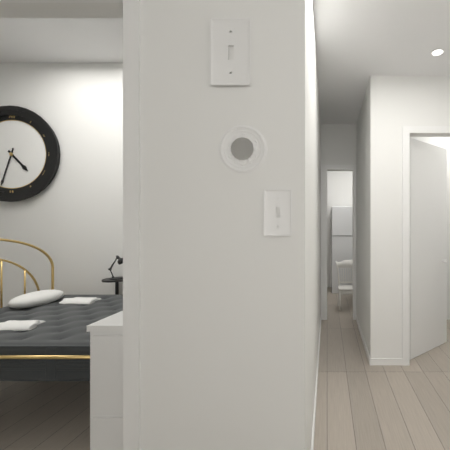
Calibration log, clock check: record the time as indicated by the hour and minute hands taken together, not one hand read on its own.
4:33
